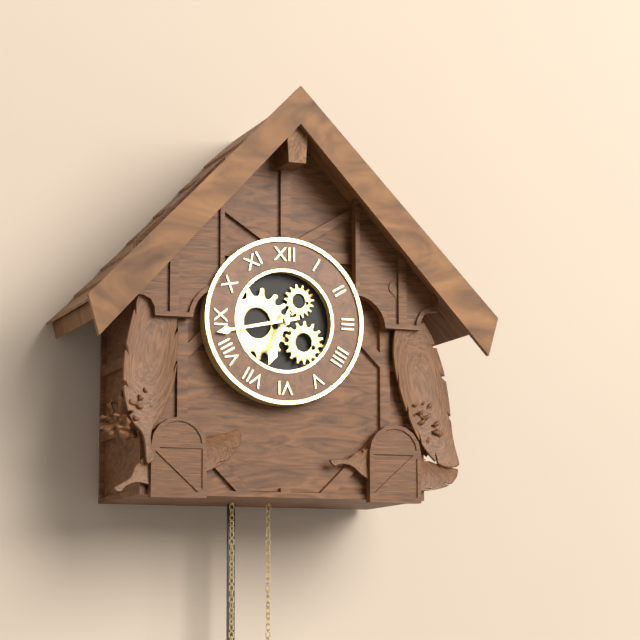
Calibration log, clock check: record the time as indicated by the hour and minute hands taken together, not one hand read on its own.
6:43
